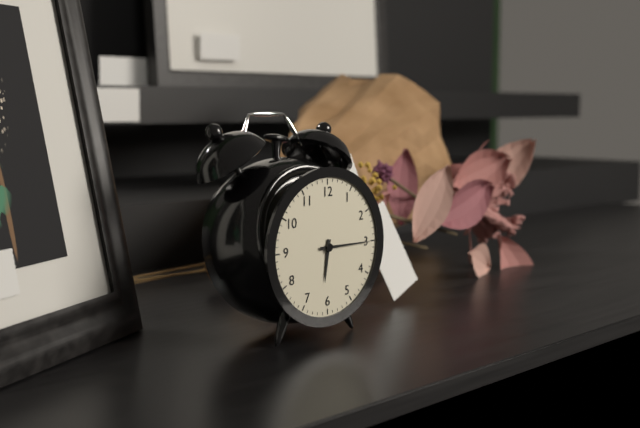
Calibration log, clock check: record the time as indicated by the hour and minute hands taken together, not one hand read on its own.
6:15
